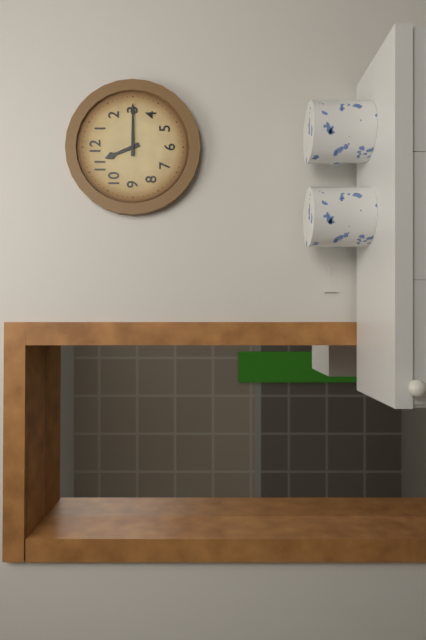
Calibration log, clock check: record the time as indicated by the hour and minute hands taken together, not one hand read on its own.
11:15
